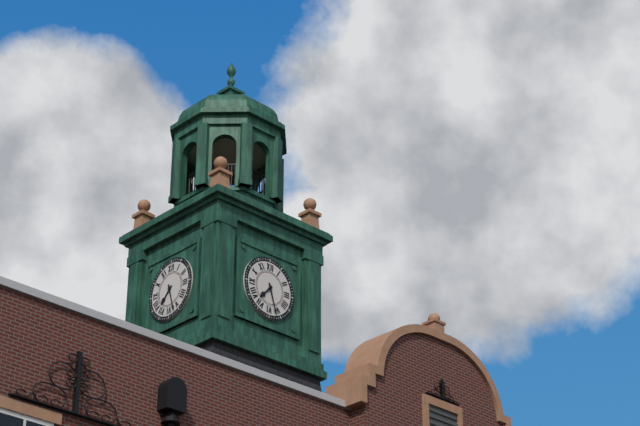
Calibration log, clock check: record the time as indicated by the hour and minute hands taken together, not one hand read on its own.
7:27
